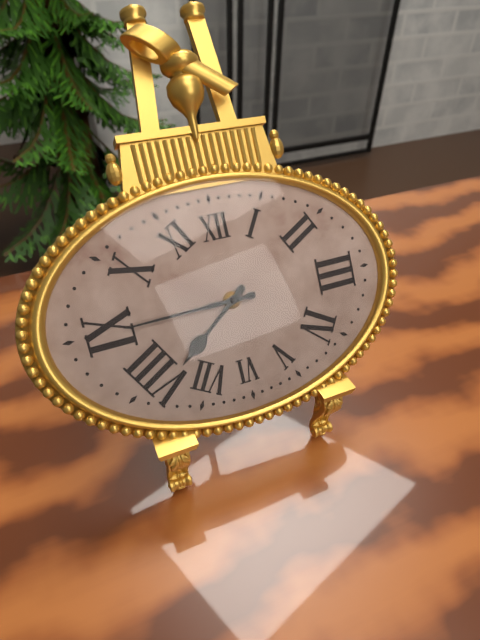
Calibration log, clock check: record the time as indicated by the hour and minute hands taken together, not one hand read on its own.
7:45
